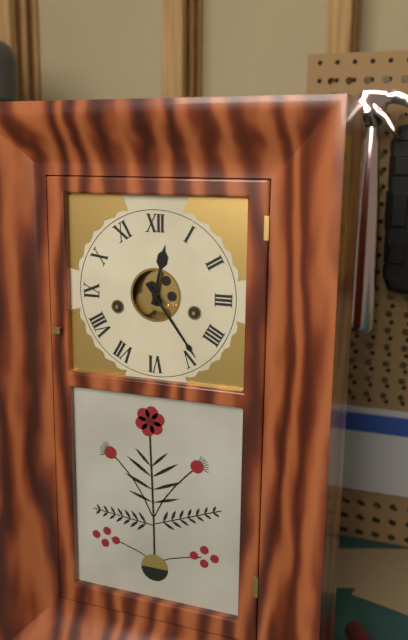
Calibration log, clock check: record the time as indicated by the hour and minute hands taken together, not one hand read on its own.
12:24
